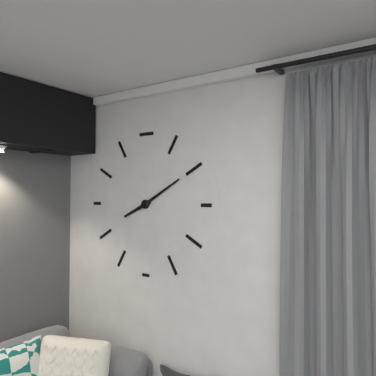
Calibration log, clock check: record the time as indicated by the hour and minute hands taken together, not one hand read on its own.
8:10
